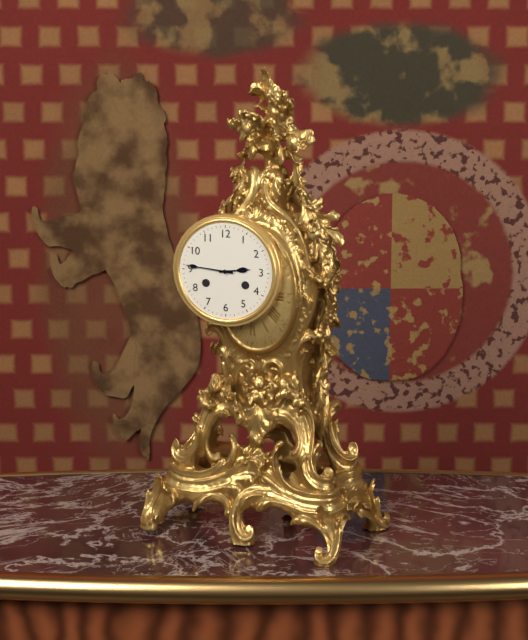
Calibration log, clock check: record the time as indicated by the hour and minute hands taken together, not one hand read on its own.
2:46
